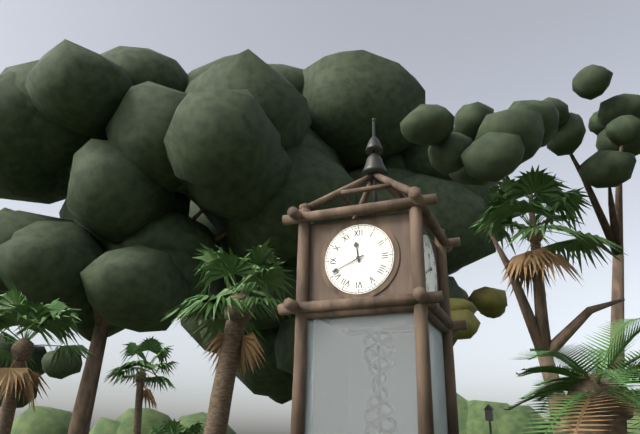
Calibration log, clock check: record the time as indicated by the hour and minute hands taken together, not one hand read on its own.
11:41
